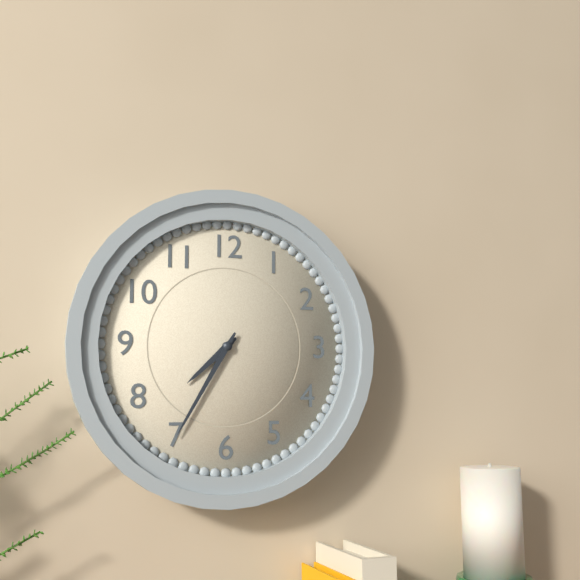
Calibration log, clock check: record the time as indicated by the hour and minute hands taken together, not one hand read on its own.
7:35
